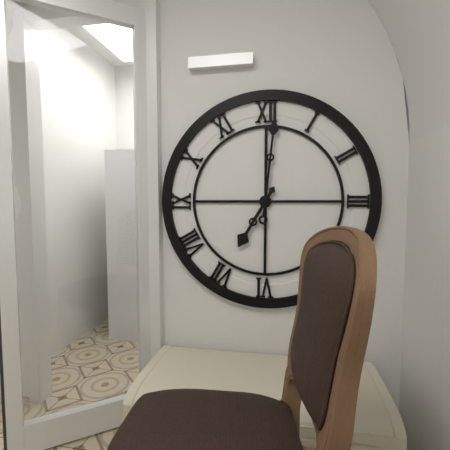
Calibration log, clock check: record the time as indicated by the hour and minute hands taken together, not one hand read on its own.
7:01
